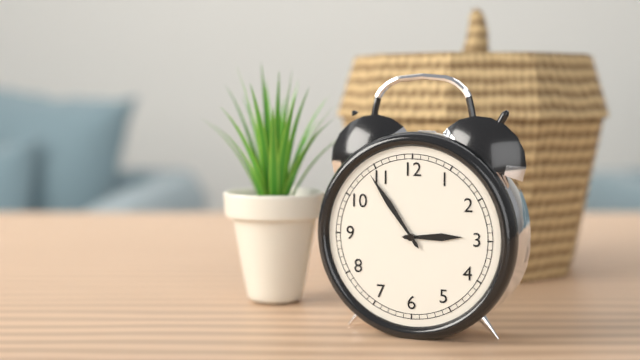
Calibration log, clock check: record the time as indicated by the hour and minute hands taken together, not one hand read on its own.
2:54
